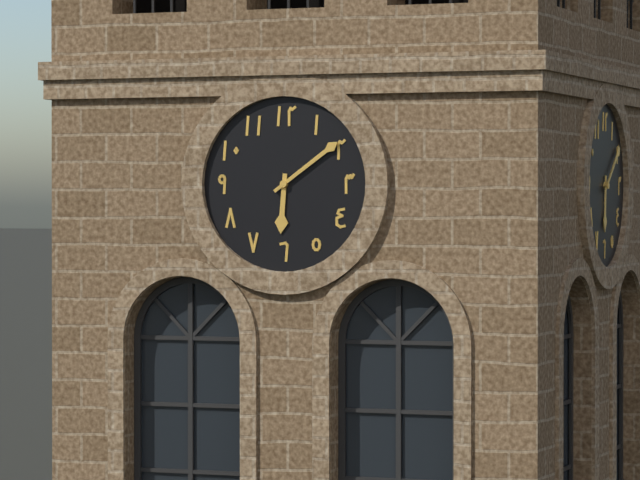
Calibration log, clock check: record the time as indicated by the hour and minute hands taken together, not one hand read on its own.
6:09
